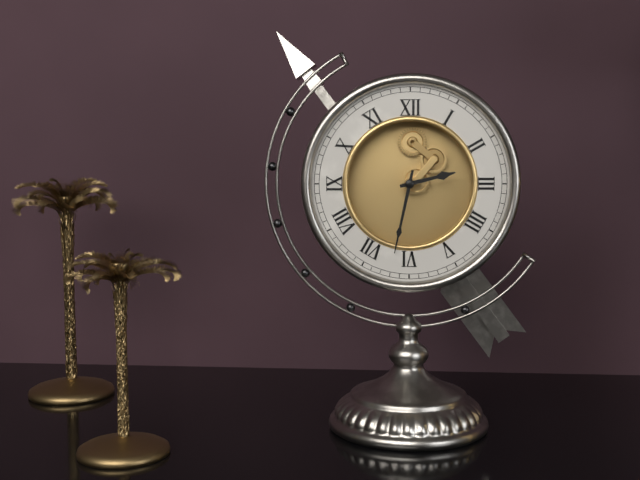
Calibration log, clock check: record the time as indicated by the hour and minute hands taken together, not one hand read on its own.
2:32
